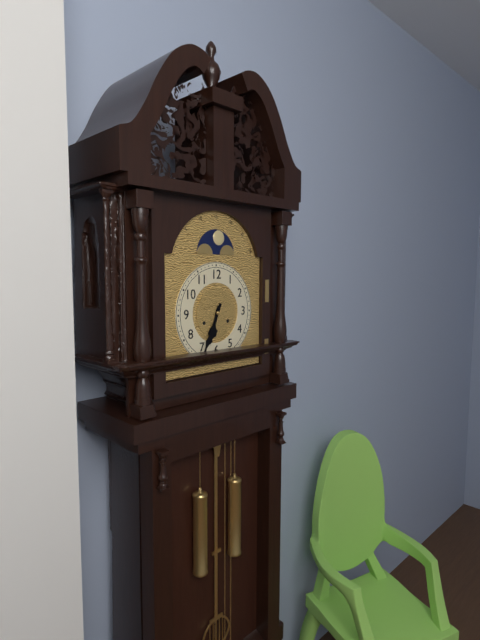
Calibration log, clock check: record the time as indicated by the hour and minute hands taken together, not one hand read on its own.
6:34
